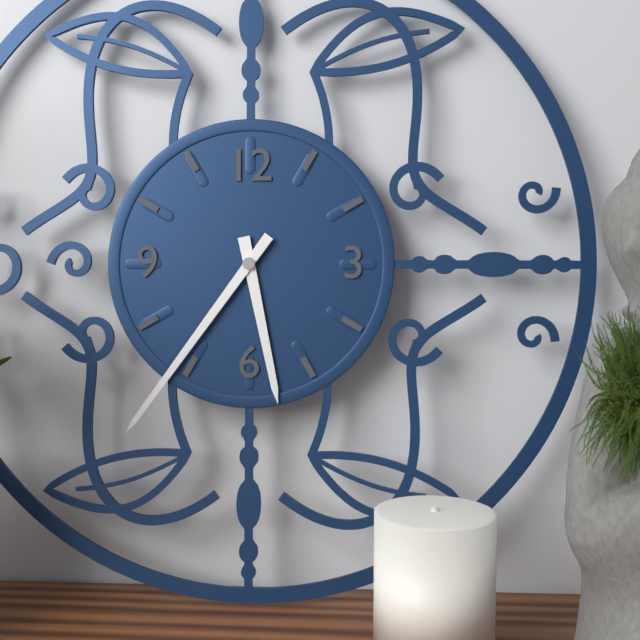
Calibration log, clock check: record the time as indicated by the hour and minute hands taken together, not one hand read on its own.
5:36
